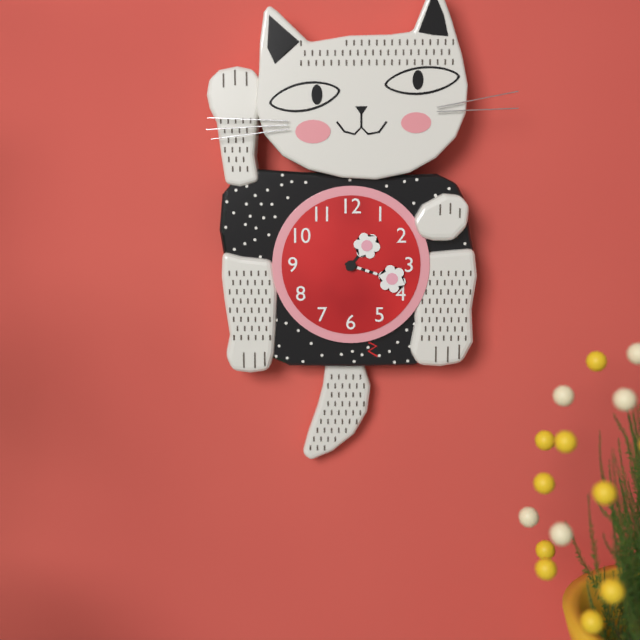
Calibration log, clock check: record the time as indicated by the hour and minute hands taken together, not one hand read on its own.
1:18
